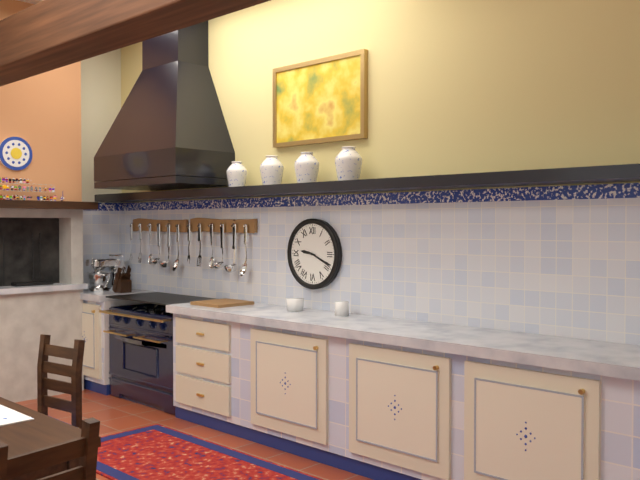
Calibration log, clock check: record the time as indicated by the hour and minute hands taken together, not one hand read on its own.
9:19
